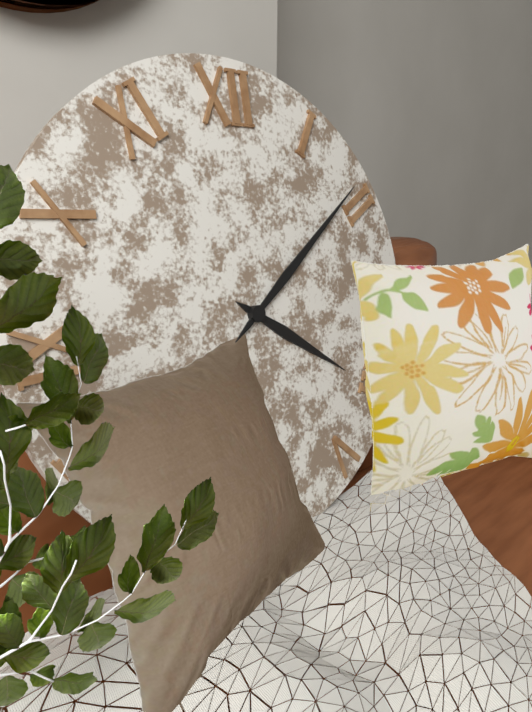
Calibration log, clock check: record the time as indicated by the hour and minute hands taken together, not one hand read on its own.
4:09
